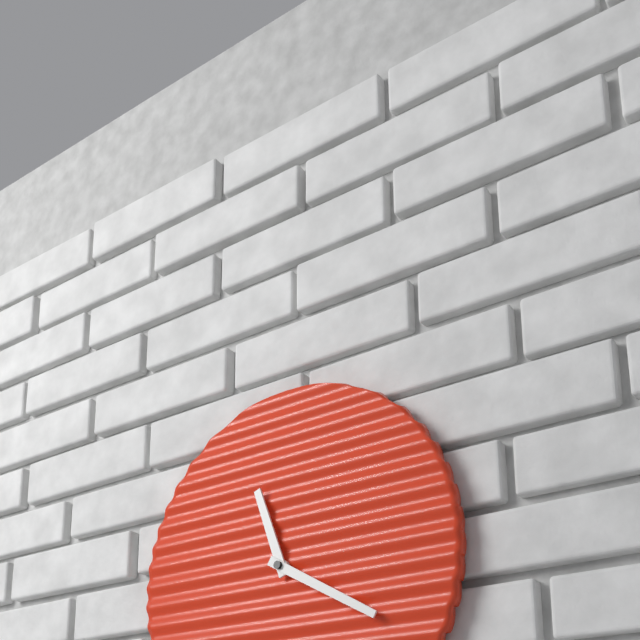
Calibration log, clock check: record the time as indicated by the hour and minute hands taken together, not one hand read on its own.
11:20
